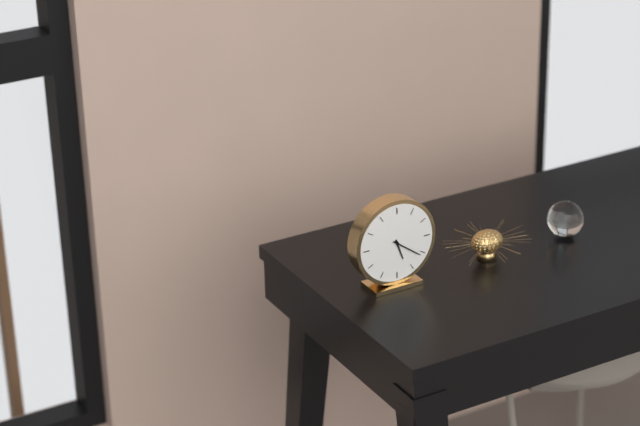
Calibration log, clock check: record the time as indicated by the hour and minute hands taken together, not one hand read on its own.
5:21
